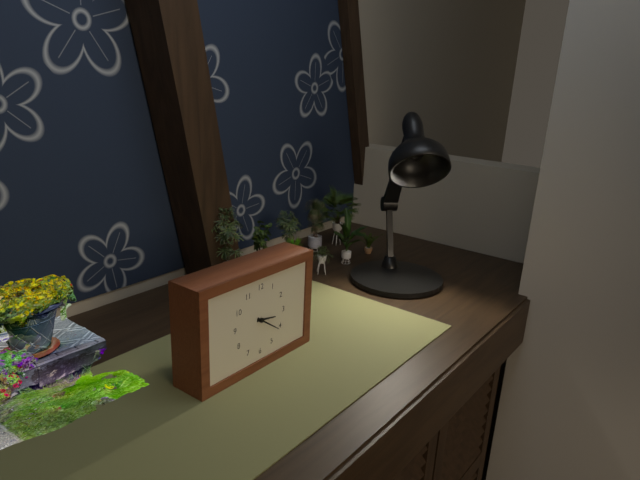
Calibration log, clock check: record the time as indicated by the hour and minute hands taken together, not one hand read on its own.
3:21
